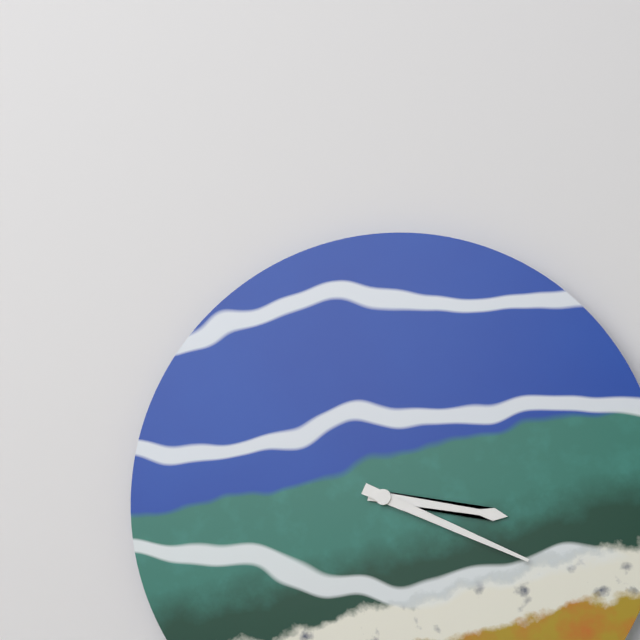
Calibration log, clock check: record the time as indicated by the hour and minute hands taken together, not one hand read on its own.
3:19
